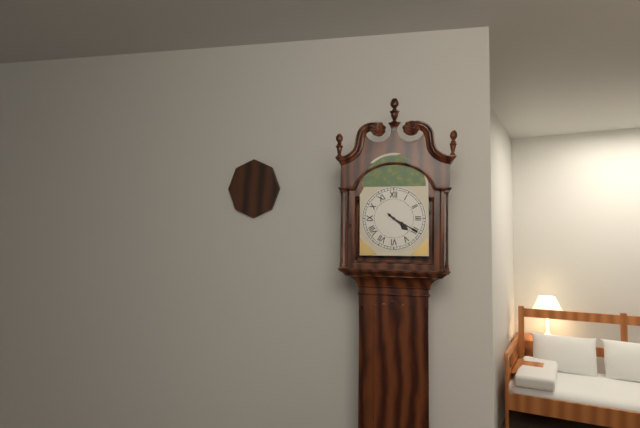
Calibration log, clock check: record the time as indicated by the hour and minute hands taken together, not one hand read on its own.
4:20
